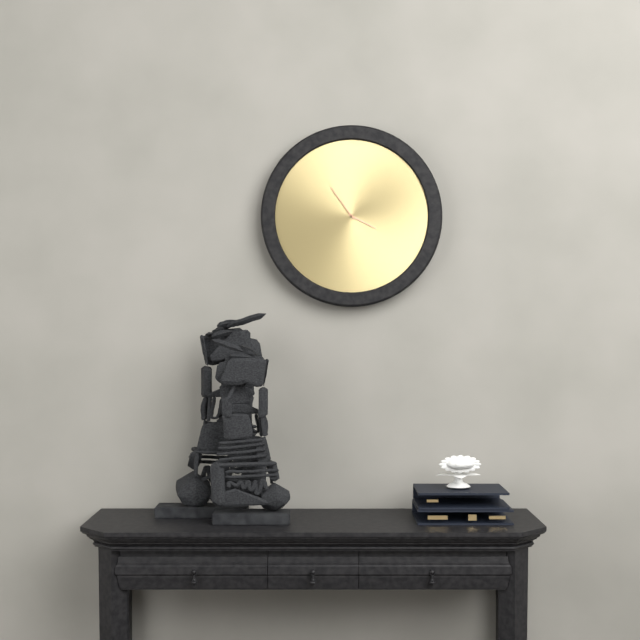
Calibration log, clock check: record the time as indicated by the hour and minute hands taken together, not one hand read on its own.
3:54
